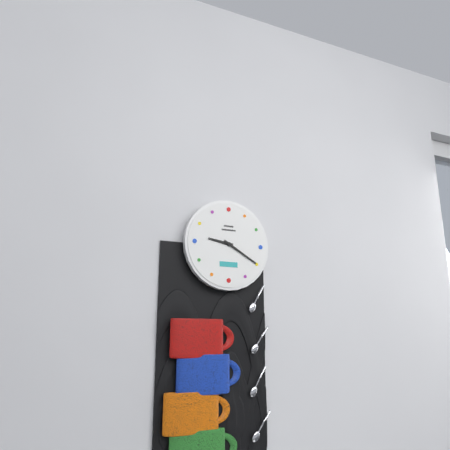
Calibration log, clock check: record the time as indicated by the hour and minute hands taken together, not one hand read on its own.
9:20
